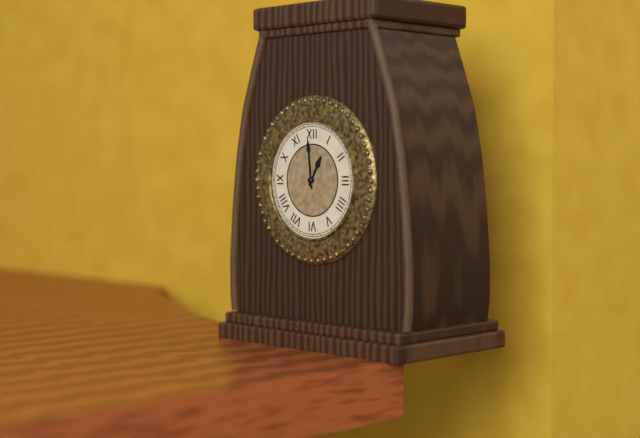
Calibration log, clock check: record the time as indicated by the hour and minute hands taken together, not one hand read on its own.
12:59
